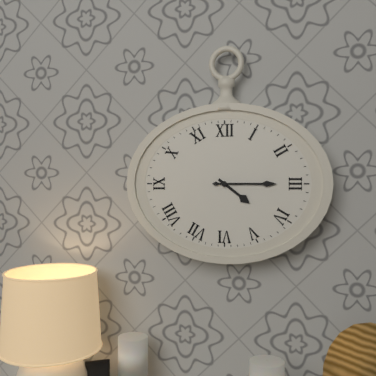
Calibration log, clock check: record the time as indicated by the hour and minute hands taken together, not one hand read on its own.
4:15
